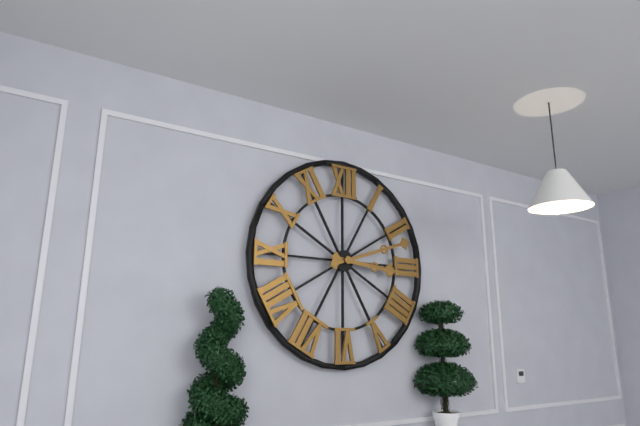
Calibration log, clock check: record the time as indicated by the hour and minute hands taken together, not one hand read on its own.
3:12
